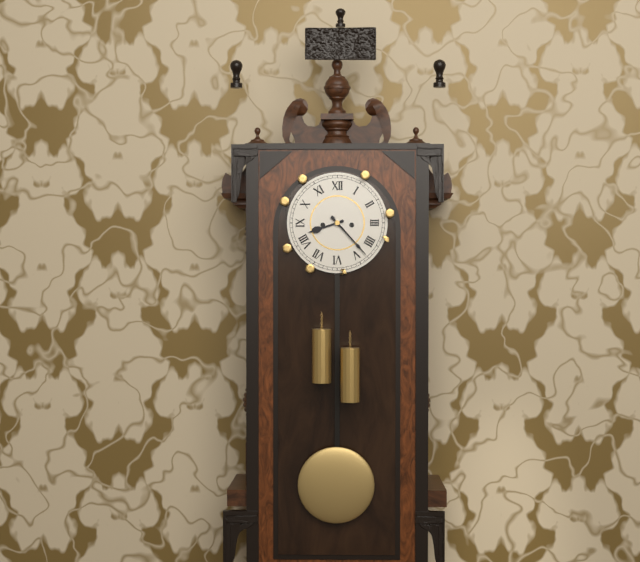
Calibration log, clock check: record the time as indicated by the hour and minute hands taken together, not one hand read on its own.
8:23
